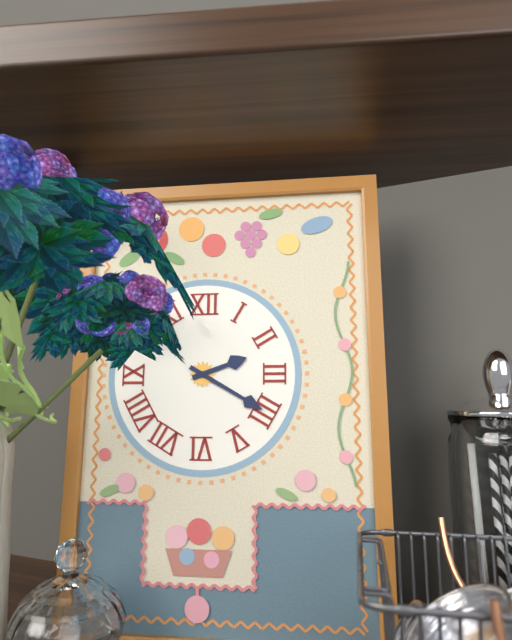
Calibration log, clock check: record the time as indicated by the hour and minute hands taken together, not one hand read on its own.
2:20
